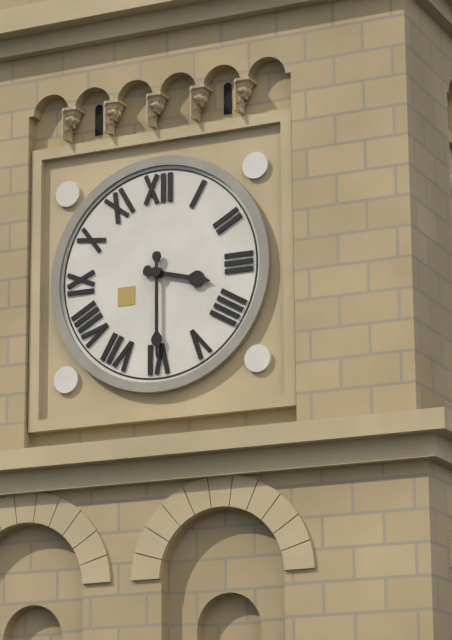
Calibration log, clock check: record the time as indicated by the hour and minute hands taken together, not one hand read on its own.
3:30
